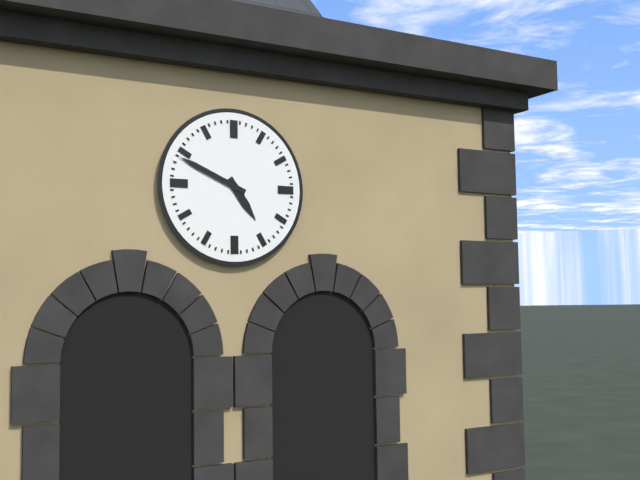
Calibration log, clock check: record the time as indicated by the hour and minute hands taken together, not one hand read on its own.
4:49
